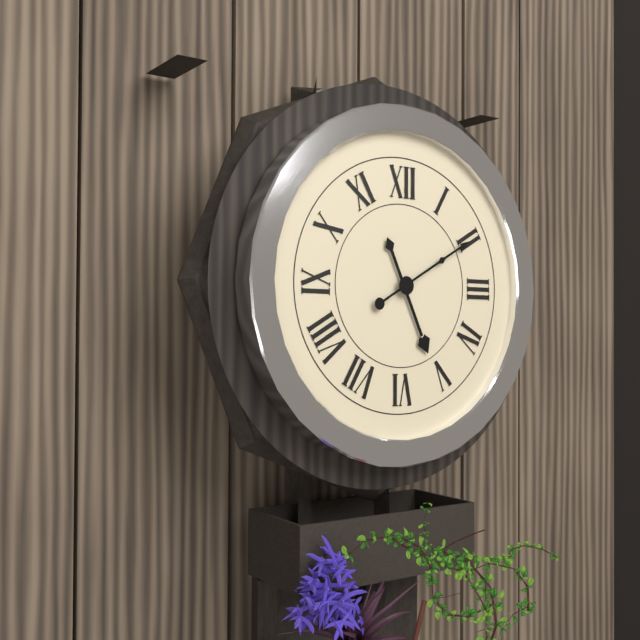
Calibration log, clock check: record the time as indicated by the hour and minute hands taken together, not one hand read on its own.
5:10
